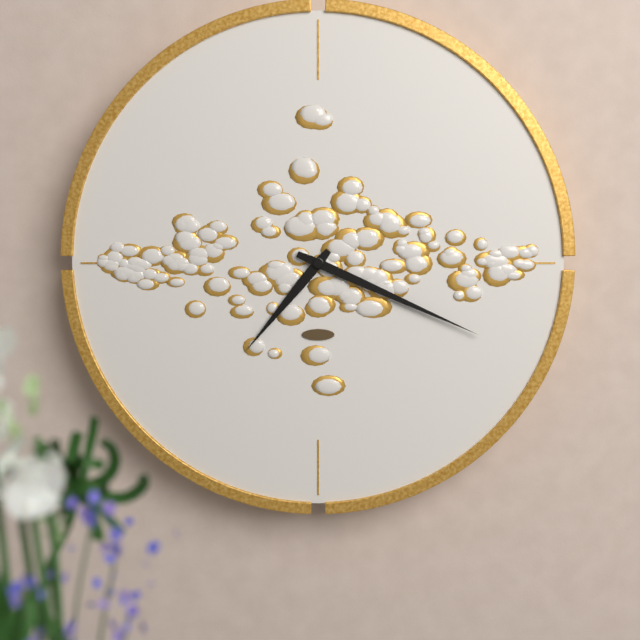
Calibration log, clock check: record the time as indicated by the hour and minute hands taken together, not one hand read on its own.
7:19
